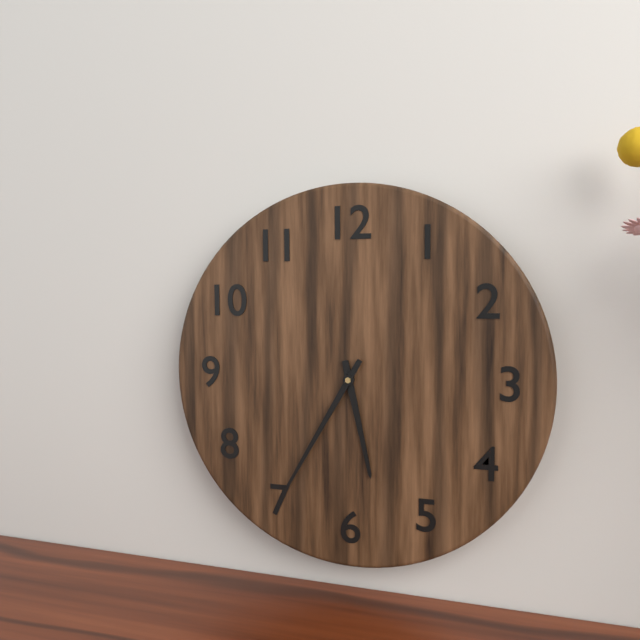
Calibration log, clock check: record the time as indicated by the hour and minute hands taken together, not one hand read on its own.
5:35
